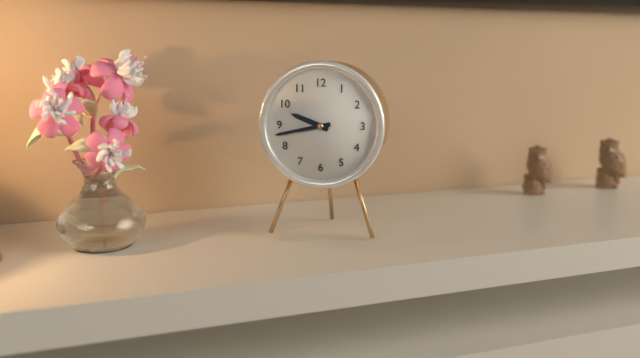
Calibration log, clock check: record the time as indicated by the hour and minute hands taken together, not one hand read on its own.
9:43
